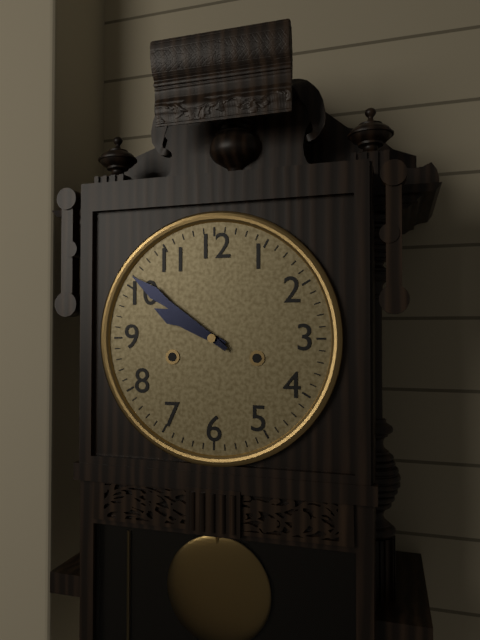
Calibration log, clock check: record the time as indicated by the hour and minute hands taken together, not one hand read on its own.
9:51
